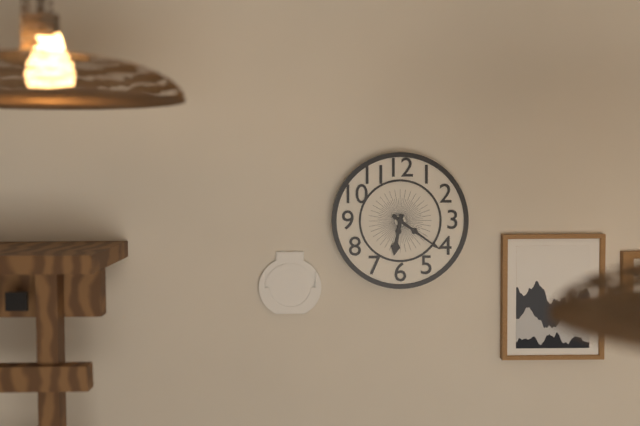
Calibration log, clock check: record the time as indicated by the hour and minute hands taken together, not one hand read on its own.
6:21
